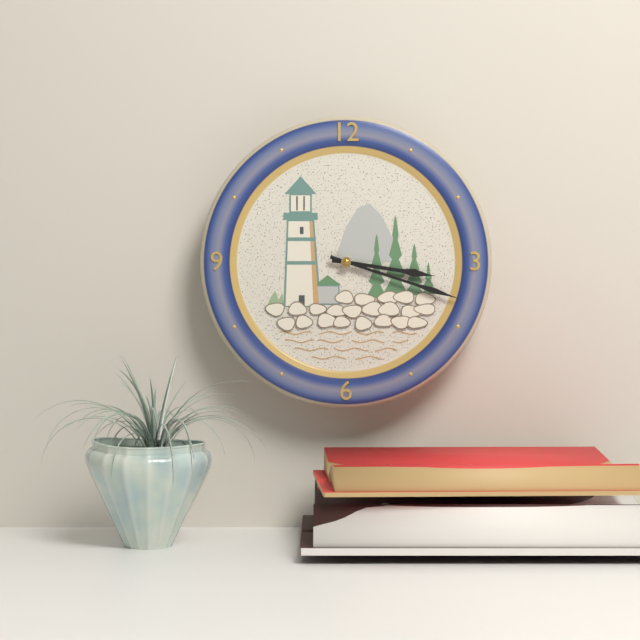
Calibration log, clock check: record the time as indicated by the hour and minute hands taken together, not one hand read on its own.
3:18
